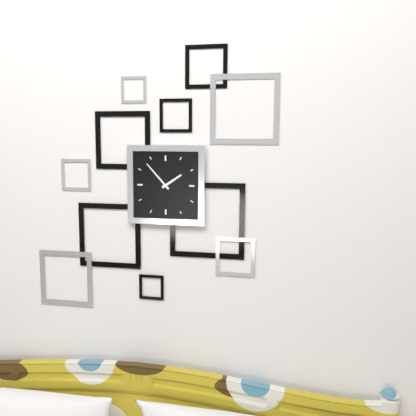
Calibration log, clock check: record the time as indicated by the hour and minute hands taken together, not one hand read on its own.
1:53
